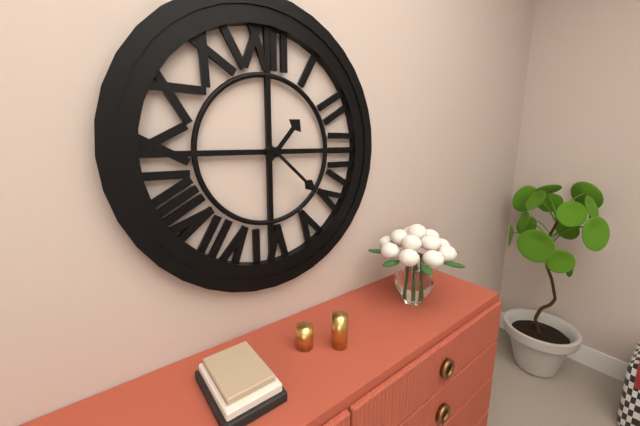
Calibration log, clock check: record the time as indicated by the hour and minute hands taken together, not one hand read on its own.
1:22
